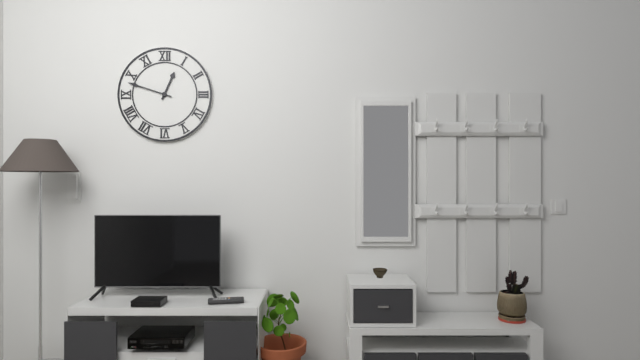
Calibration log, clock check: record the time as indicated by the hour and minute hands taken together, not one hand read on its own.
12:48
